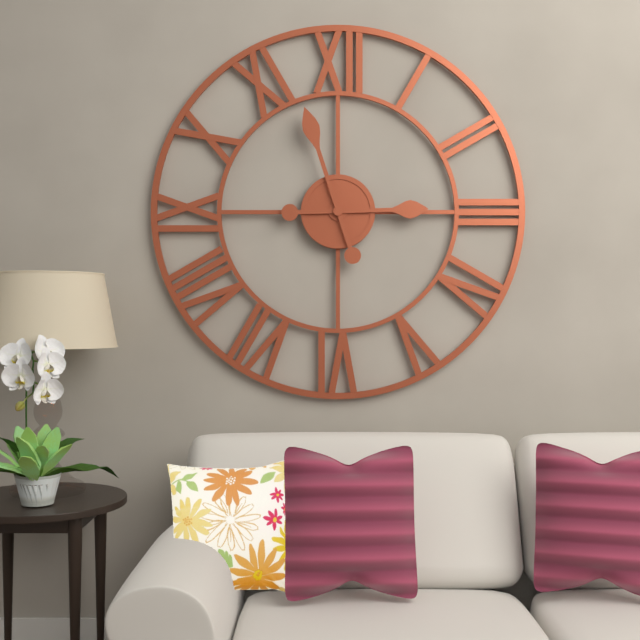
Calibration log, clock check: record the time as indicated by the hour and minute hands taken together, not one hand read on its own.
2:57
